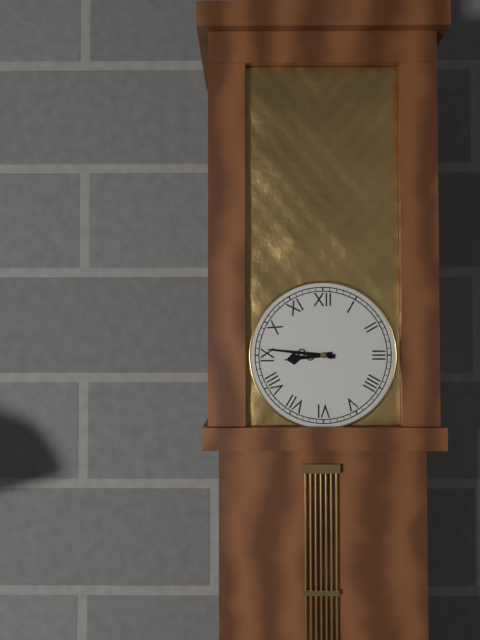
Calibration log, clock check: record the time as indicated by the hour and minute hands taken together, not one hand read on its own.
8:46
